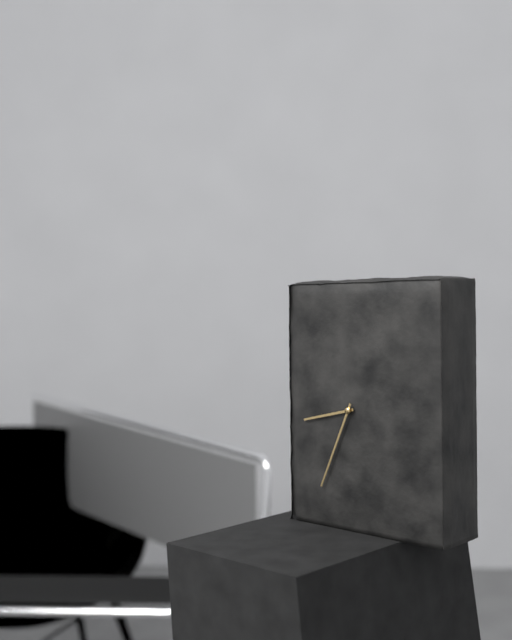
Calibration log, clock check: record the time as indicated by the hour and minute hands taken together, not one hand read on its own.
8:34
